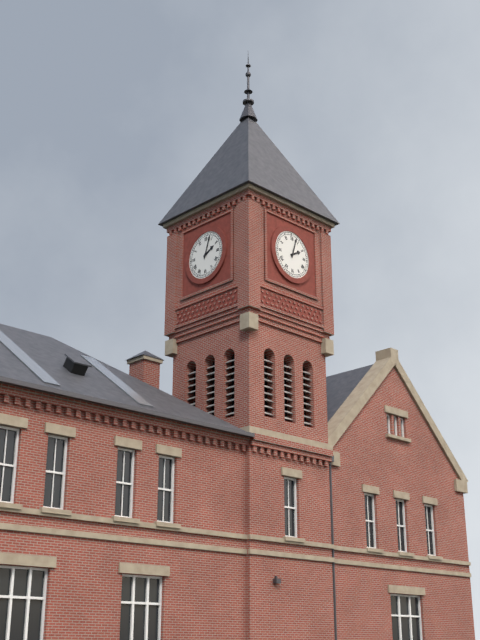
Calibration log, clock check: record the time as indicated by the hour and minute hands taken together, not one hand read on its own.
2:03
